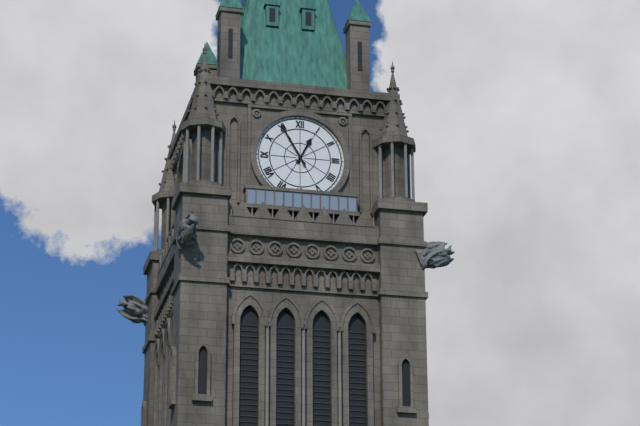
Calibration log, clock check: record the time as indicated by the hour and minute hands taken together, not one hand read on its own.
12:55
